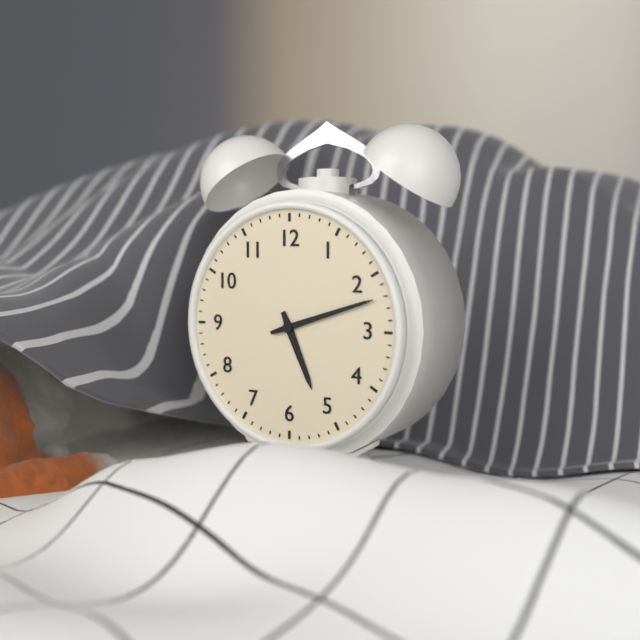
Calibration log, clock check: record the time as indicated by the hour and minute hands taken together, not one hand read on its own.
5:12
